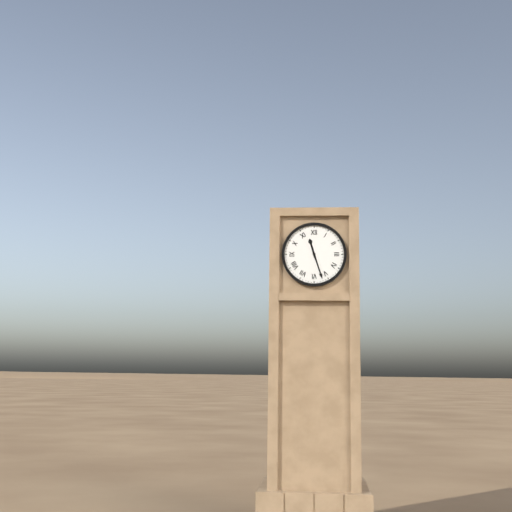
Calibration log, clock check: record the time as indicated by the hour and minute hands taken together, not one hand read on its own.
11:27
